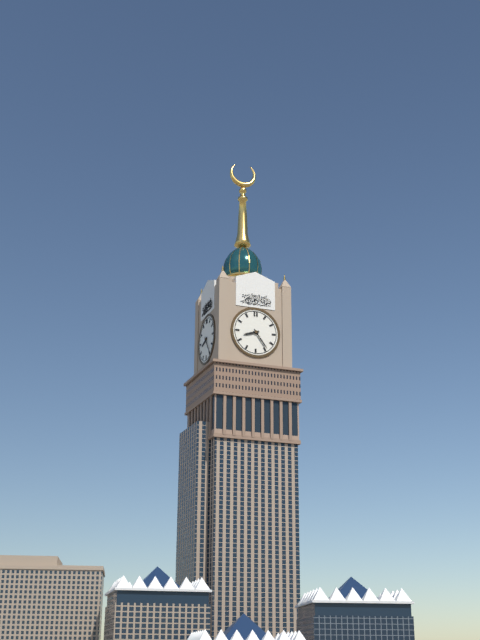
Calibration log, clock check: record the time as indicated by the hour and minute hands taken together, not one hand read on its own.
8:24
